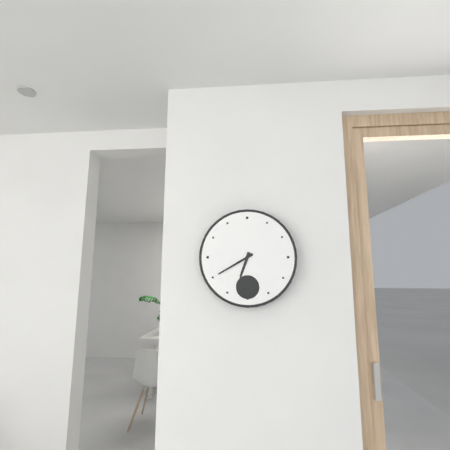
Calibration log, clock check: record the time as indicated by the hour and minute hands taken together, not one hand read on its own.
6:40
